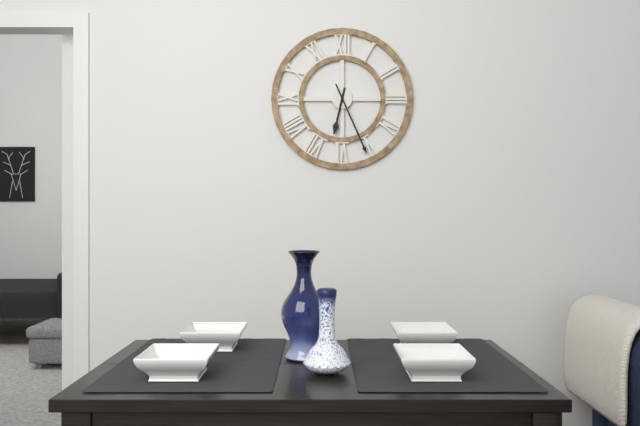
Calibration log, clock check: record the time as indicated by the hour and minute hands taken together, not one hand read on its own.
6:26
